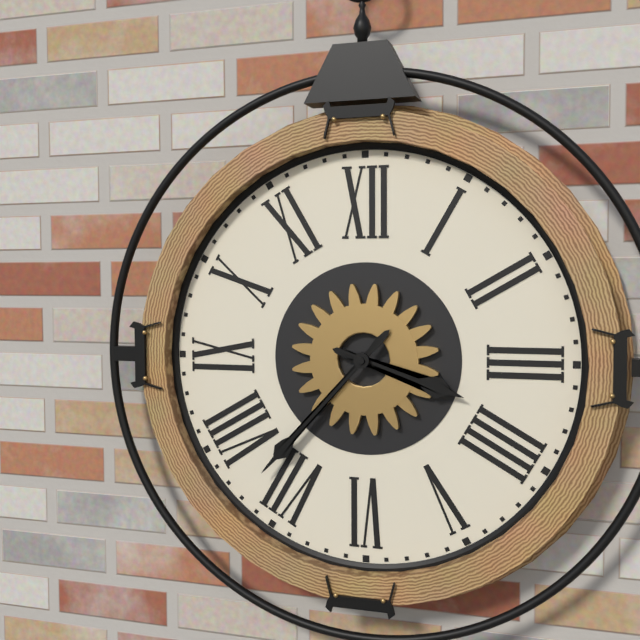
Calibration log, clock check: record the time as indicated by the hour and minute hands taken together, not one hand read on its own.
3:37
